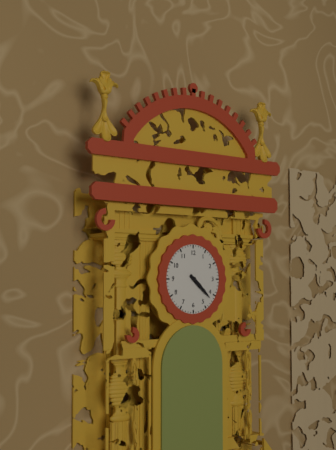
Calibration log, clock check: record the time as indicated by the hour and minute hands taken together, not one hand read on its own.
4:22
